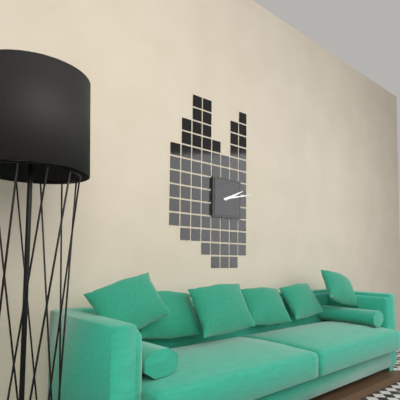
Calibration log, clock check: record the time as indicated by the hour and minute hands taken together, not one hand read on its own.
2:13
